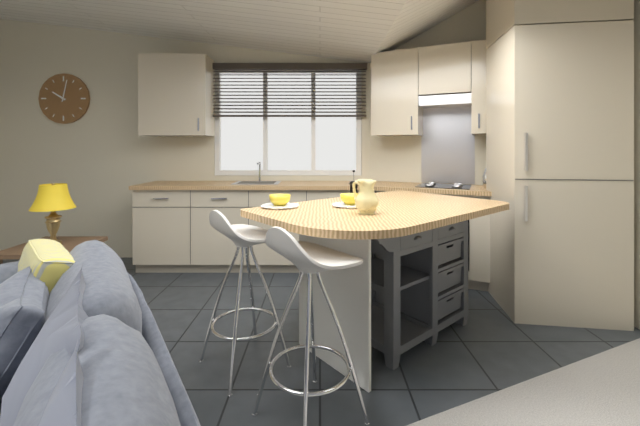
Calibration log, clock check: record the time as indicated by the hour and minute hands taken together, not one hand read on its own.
10:02
